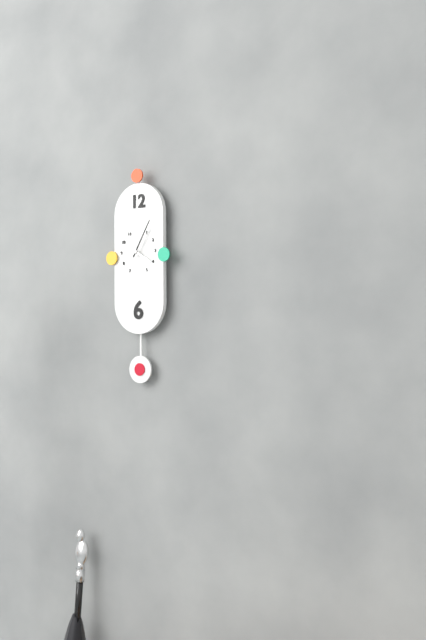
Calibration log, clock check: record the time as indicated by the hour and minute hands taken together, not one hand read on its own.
4:05
